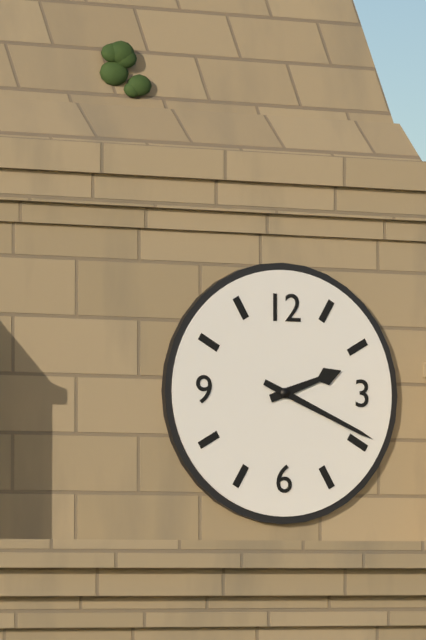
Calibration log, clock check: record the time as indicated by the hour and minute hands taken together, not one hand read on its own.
2:19
